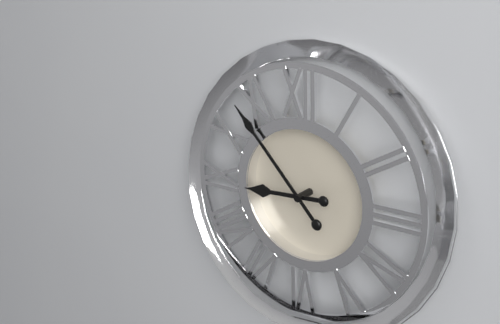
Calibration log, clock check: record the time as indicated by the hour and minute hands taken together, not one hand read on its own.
8:53
